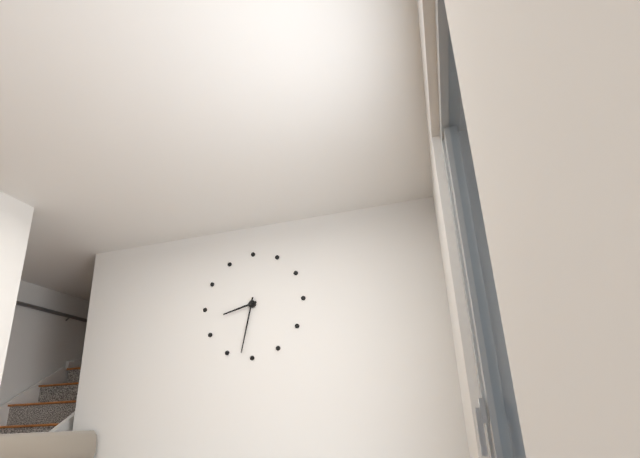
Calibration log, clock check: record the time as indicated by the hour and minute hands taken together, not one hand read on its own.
8:32
